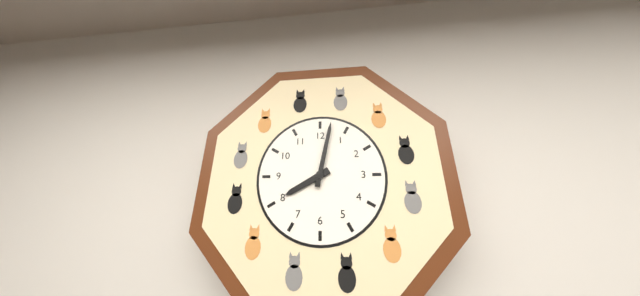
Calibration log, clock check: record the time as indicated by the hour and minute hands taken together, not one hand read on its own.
8:02
